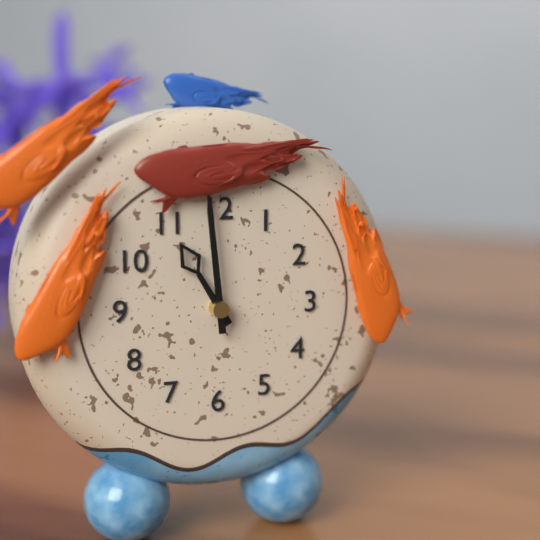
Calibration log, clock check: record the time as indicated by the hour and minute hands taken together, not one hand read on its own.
10:59
